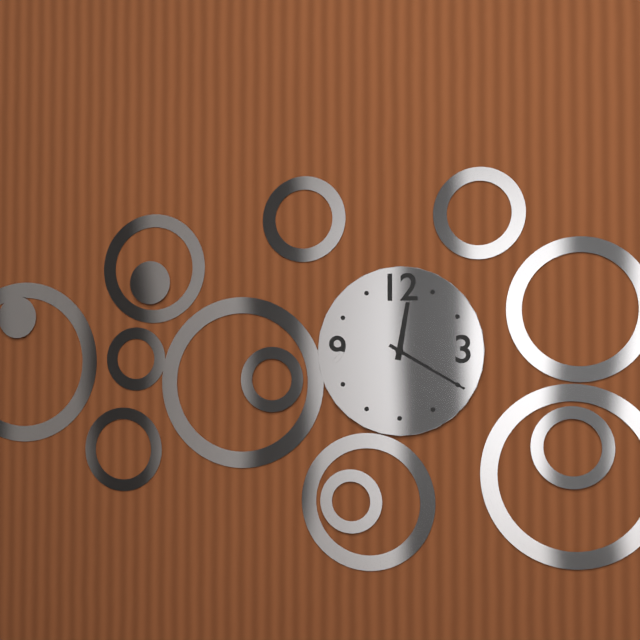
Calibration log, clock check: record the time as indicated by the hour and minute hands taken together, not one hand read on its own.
12:20
